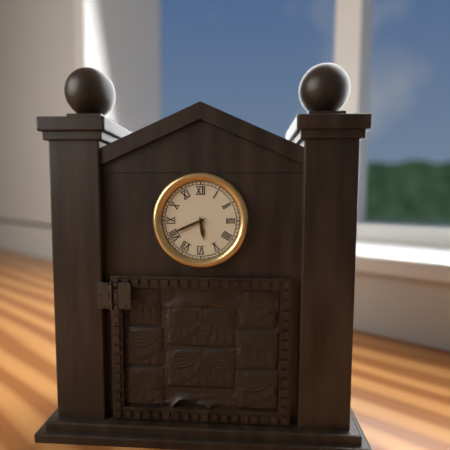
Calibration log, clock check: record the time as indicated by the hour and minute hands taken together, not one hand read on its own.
5:41
